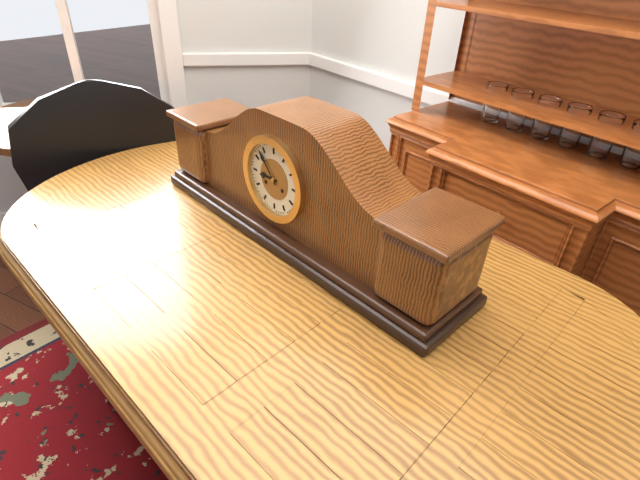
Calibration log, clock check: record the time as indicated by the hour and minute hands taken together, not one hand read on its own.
8:53
